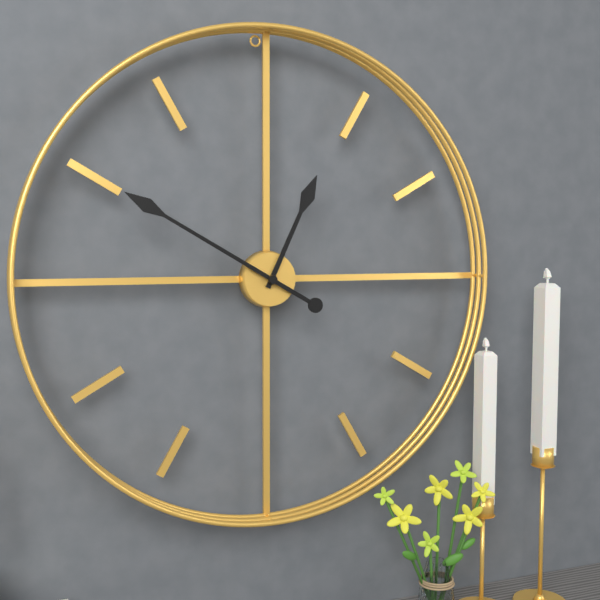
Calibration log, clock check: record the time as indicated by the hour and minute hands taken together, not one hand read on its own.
12:50
